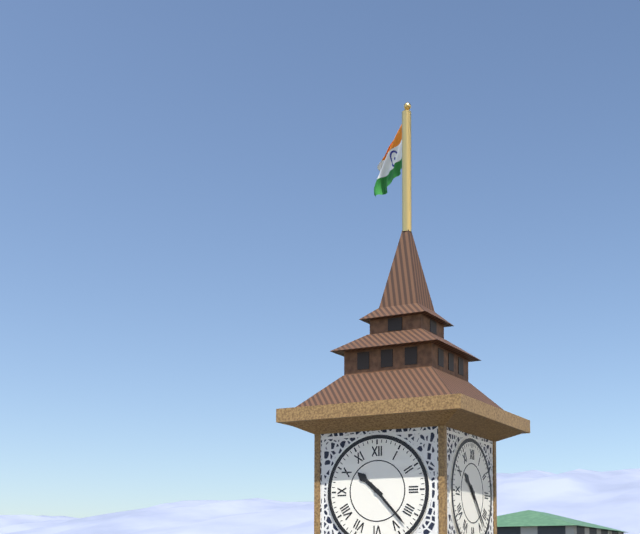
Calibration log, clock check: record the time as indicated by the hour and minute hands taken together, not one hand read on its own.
10:23
